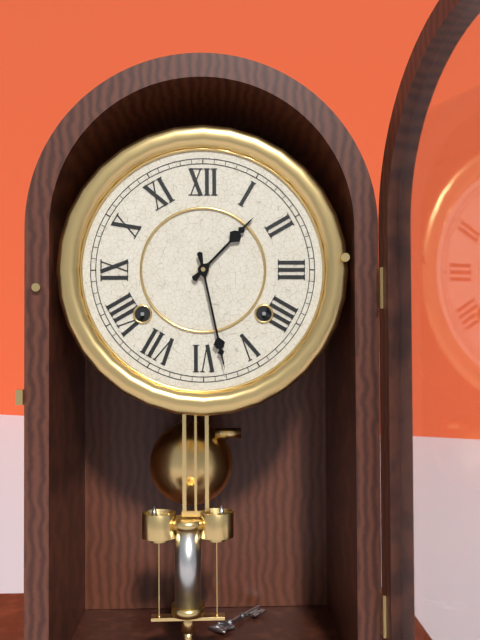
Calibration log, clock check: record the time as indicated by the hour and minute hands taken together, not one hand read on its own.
1:28
